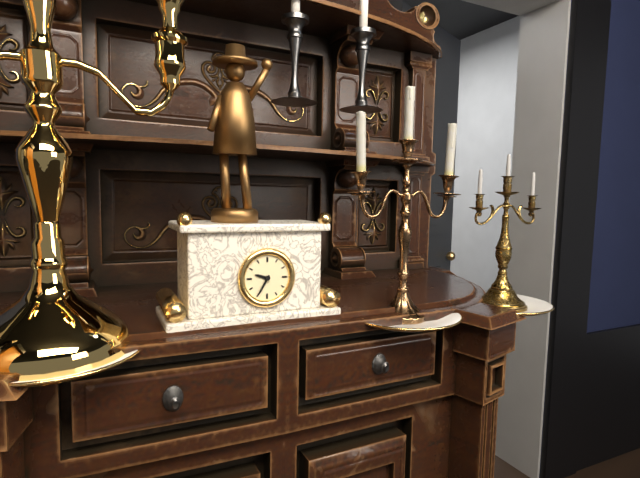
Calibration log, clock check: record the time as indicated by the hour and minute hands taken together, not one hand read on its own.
9:35
